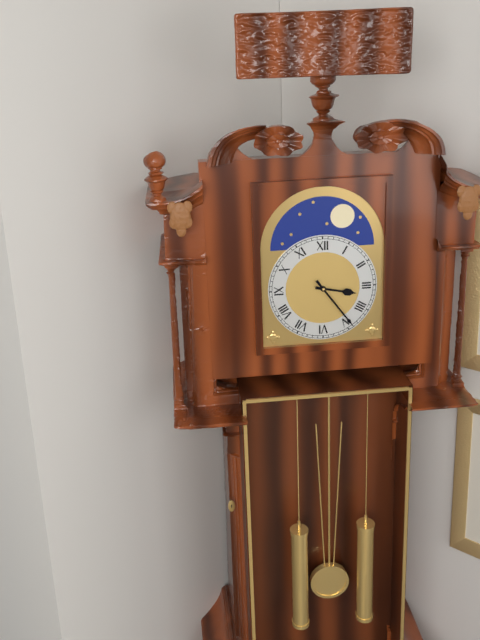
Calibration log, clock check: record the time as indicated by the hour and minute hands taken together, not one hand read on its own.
3:24
